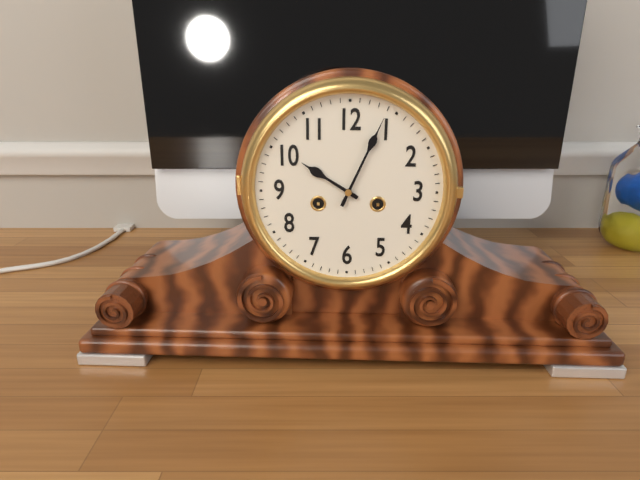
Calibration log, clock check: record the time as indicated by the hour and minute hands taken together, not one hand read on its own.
10:04
